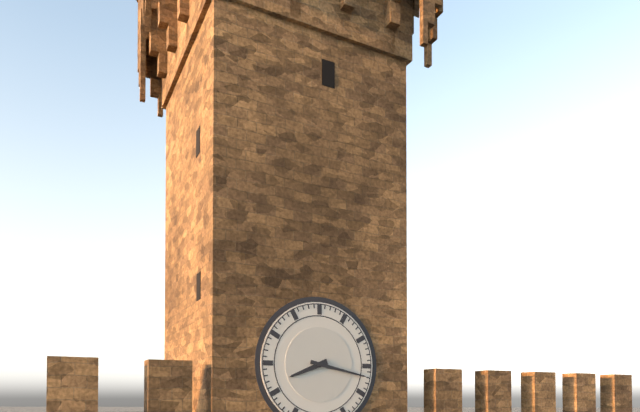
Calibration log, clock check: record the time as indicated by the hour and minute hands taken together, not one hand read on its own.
8:17
